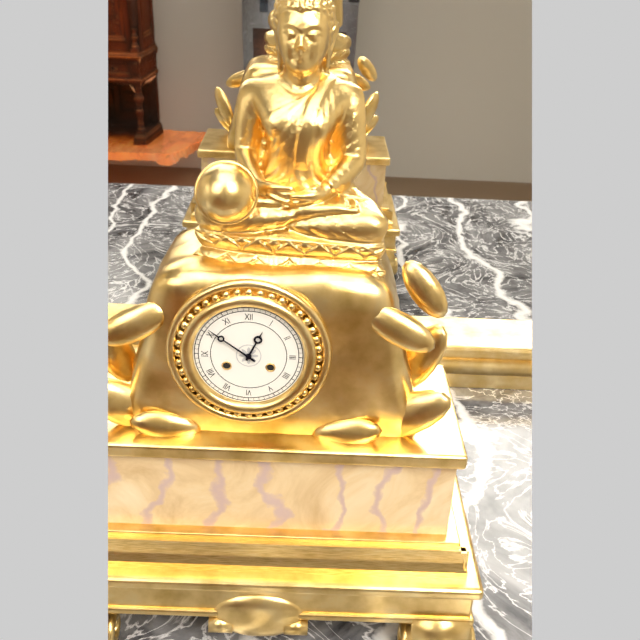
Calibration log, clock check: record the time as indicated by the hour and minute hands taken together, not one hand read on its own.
12:51
